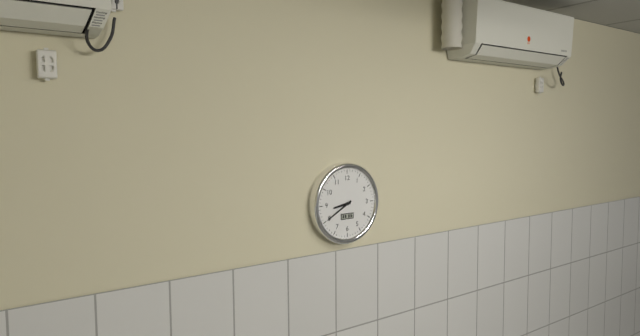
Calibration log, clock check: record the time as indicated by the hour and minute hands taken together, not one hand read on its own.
8:40
